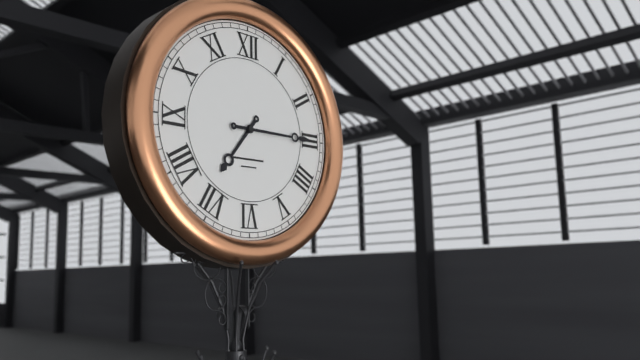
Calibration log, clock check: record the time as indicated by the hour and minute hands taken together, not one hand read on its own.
7:15
